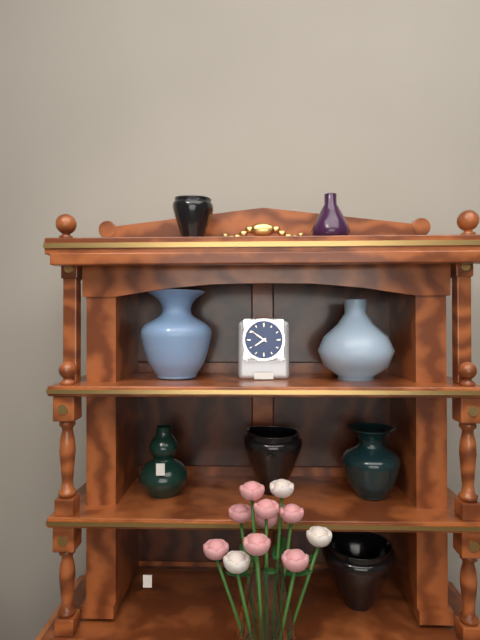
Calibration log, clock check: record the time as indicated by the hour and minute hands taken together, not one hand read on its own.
7:51
